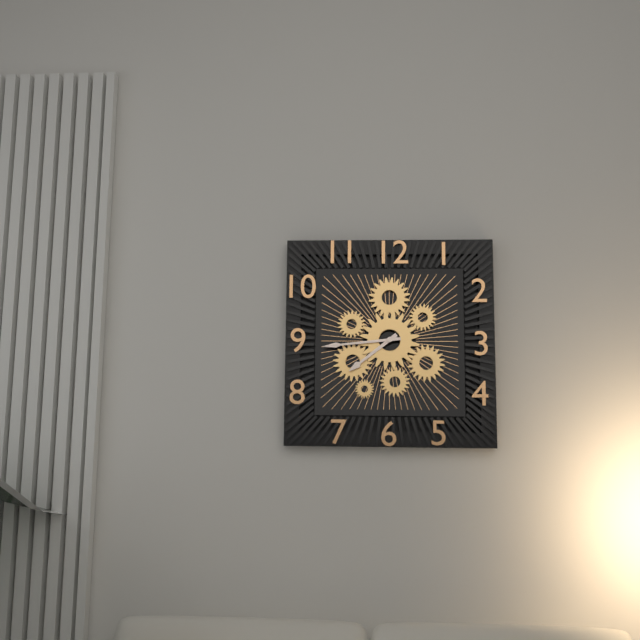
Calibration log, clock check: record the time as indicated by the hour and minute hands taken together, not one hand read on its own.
7:44
